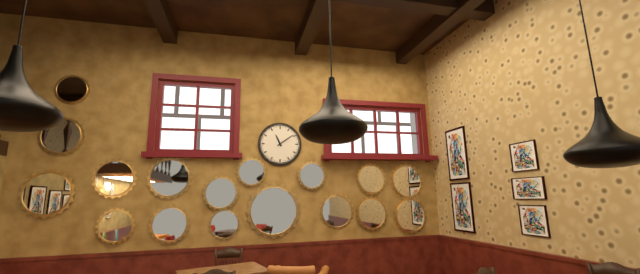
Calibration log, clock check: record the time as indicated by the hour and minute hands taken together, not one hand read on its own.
11:09
